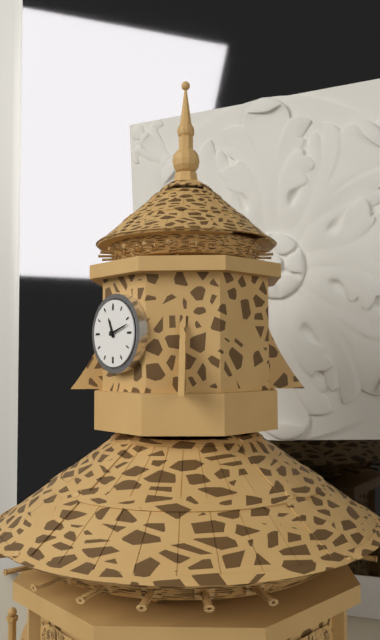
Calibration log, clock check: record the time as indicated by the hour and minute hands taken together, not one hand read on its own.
11:12
